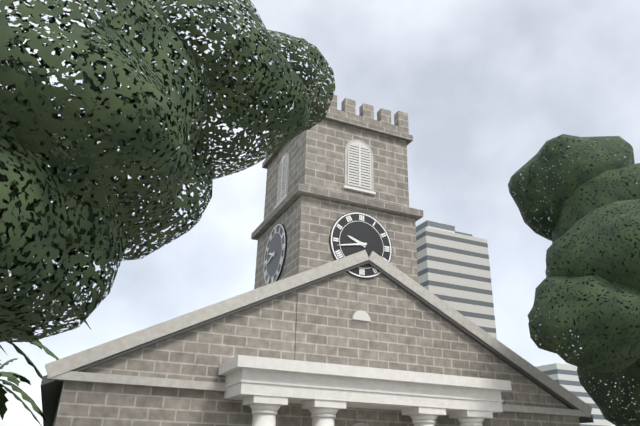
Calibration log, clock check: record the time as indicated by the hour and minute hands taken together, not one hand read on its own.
9:43
